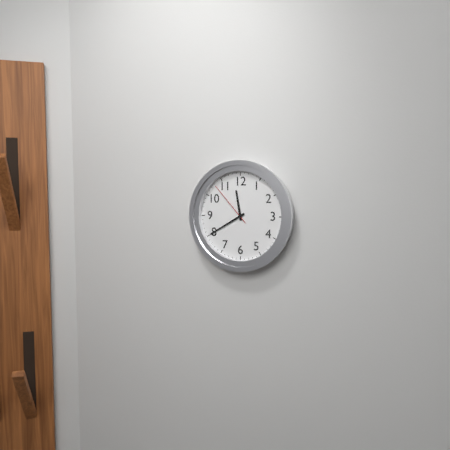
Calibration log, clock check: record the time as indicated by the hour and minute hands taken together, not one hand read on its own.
11:40
